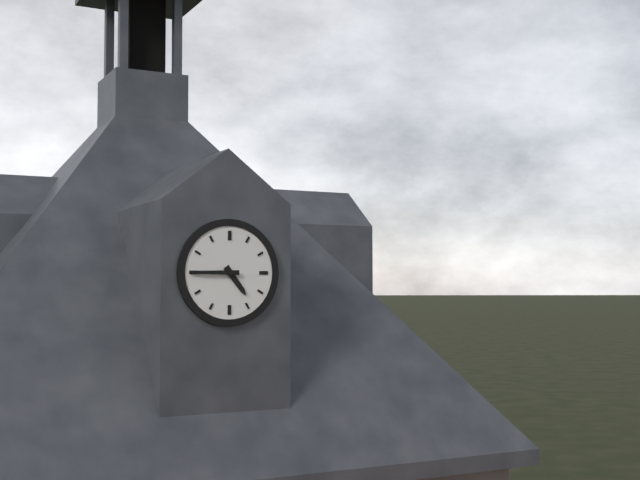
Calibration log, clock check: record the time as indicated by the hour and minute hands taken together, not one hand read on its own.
4:45
